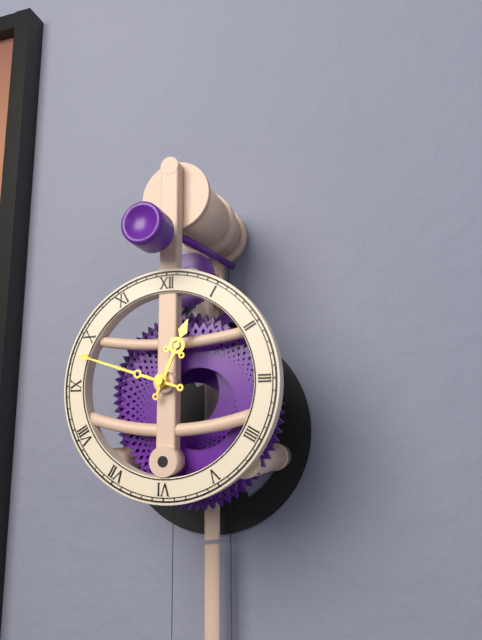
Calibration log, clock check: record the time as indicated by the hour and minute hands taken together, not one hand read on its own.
12:48
